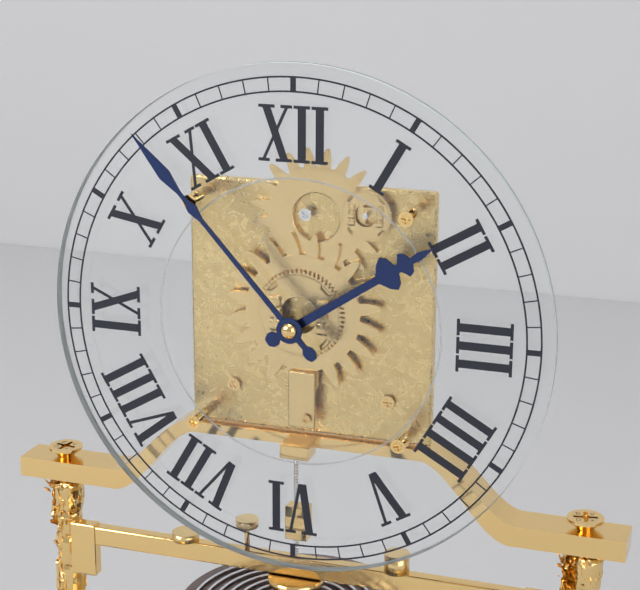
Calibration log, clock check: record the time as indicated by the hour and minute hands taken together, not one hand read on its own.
1:53
